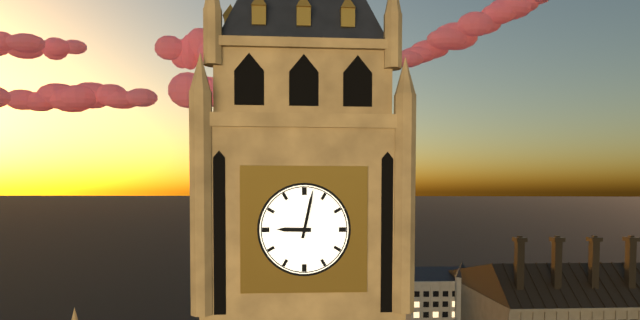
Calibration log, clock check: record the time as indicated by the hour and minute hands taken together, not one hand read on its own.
9:02
